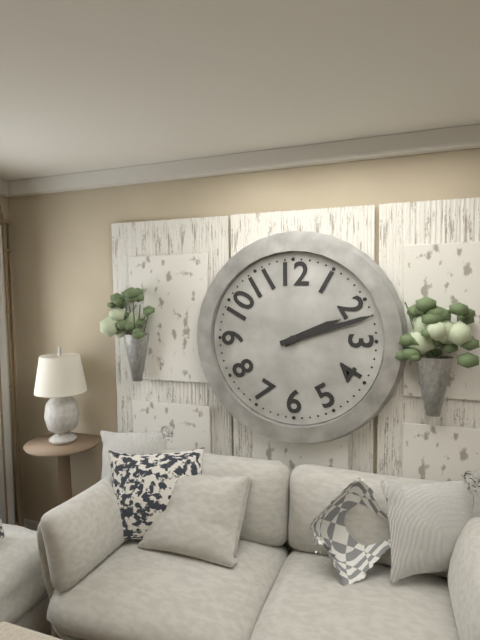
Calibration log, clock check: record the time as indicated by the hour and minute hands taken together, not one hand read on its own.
2:12
